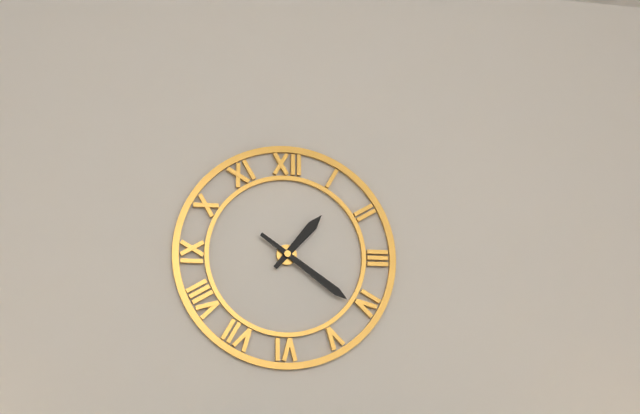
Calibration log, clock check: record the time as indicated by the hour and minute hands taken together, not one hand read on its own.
1:21
